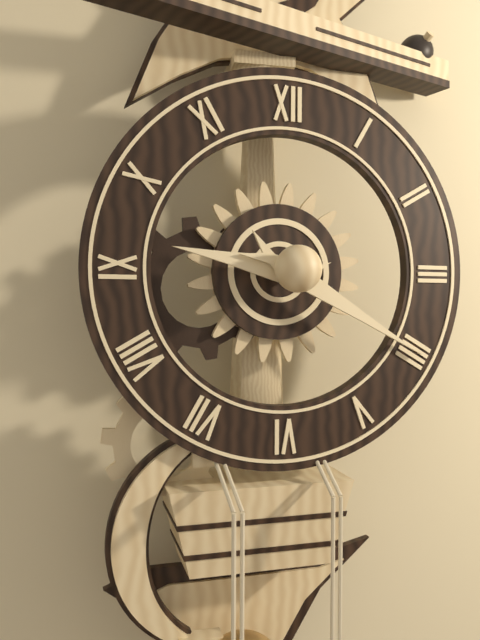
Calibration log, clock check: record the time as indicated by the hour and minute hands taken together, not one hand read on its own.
9:20
